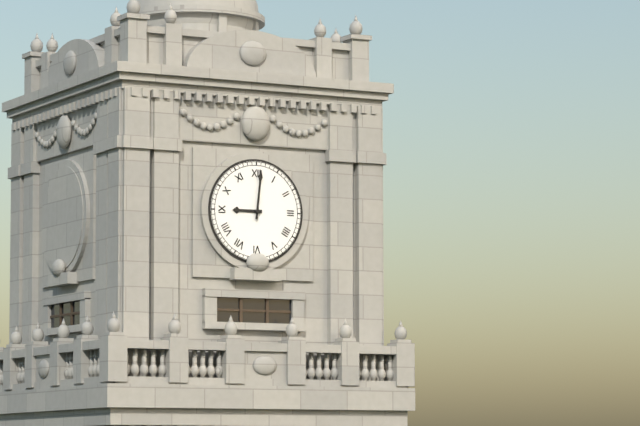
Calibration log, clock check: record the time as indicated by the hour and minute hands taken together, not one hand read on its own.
9:01
